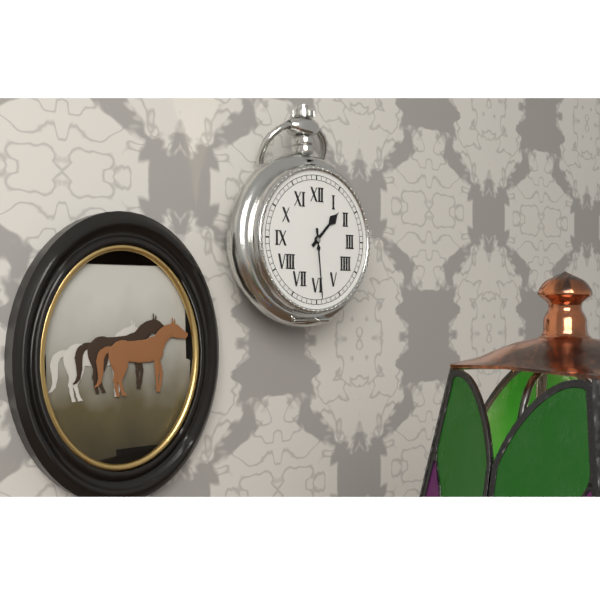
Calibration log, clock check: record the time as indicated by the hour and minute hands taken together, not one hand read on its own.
1:29
